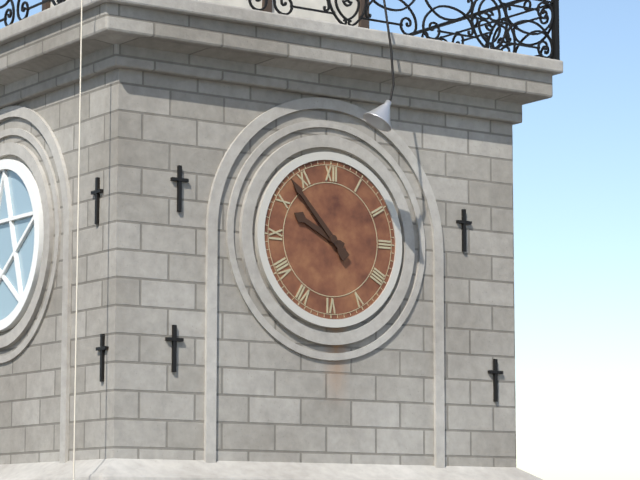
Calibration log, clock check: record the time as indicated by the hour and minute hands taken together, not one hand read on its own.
9:53
